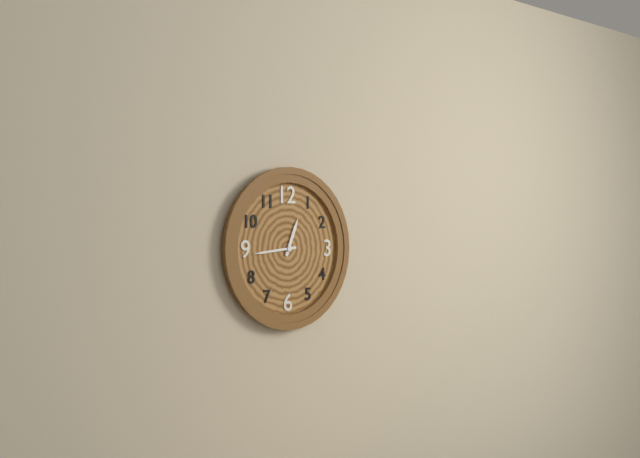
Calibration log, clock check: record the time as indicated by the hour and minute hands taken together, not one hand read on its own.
12:44
